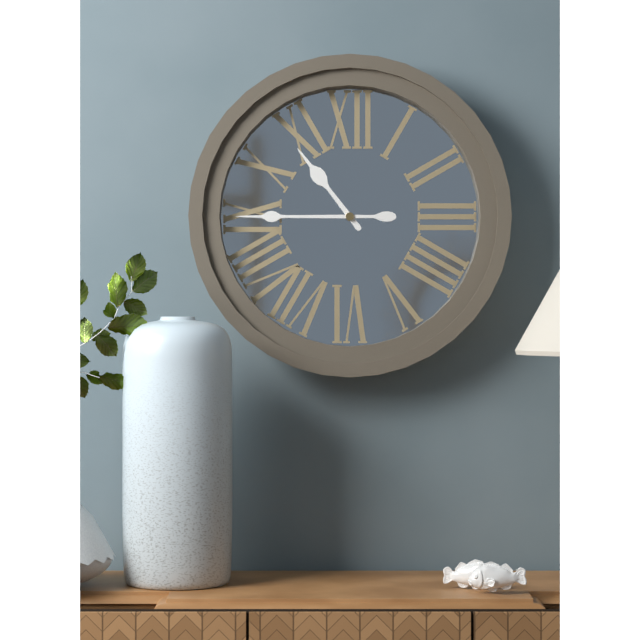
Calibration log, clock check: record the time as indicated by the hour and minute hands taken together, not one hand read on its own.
10:45
